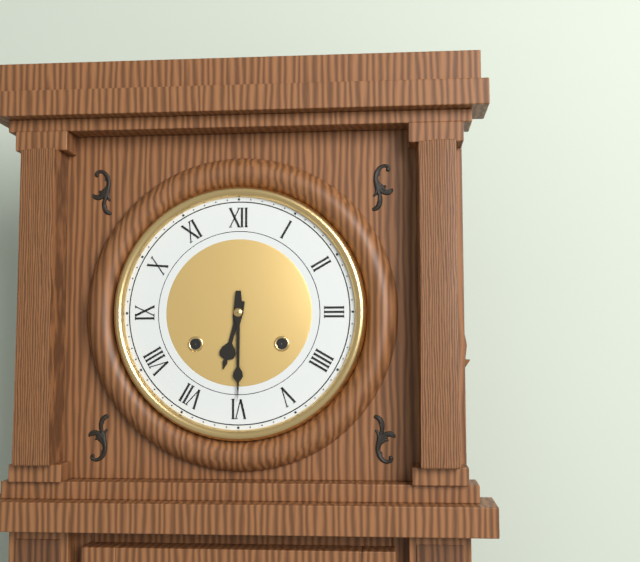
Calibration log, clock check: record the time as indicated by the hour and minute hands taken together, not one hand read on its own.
6:30
